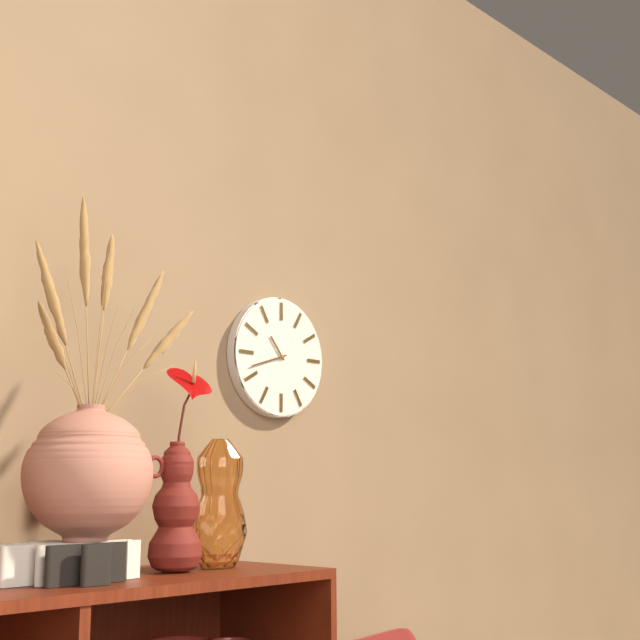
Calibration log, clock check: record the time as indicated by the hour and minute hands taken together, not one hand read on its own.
10:42
